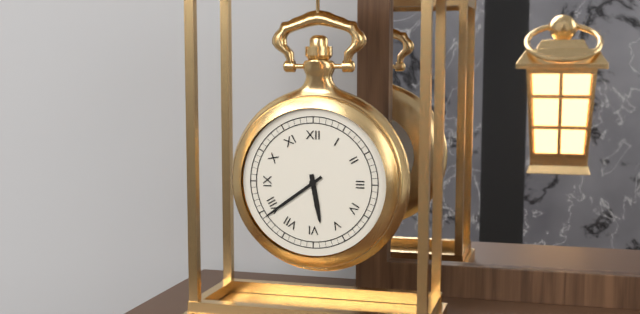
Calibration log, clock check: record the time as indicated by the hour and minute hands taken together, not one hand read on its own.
5:39
